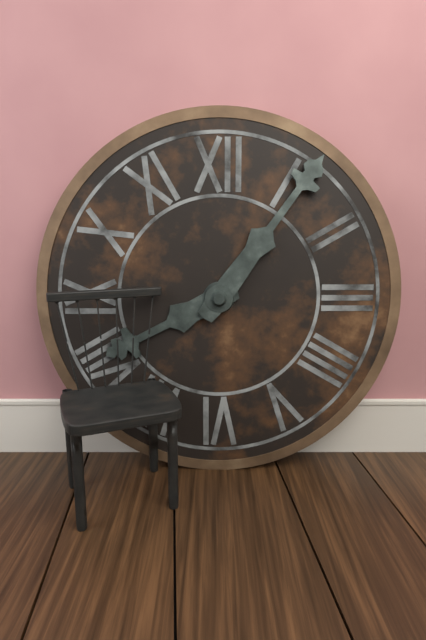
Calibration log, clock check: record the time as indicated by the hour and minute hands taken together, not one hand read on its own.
8:06
